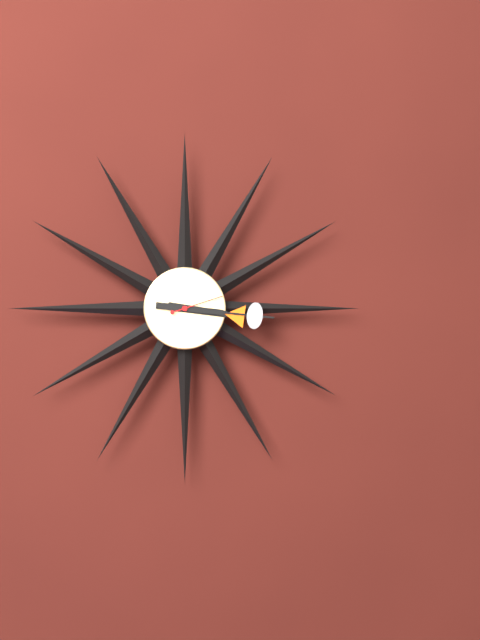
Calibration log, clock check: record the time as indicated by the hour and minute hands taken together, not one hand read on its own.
3:16
